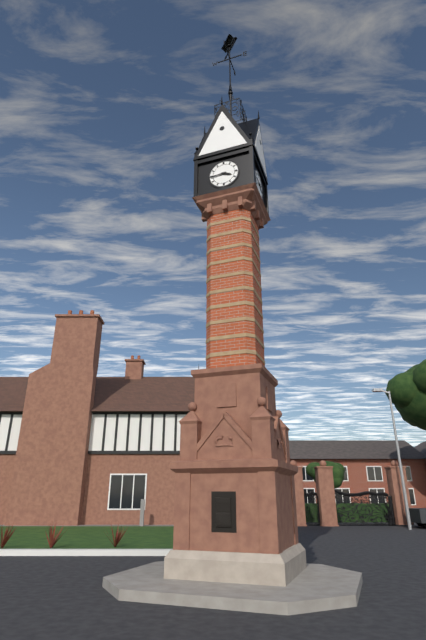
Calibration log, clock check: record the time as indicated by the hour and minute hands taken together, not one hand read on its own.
3:44
